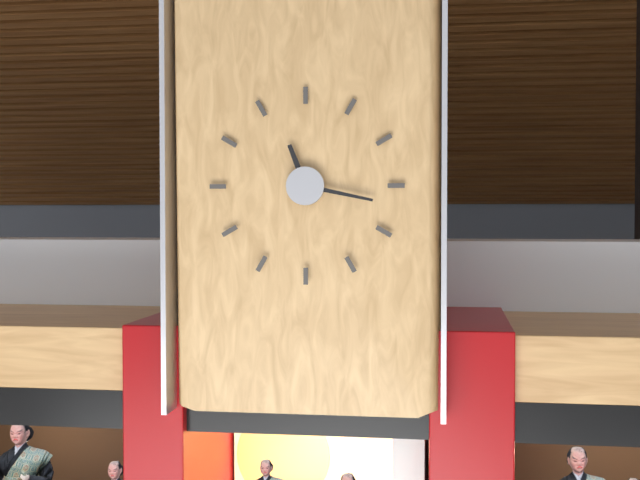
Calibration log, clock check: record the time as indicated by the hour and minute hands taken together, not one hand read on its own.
11:17
